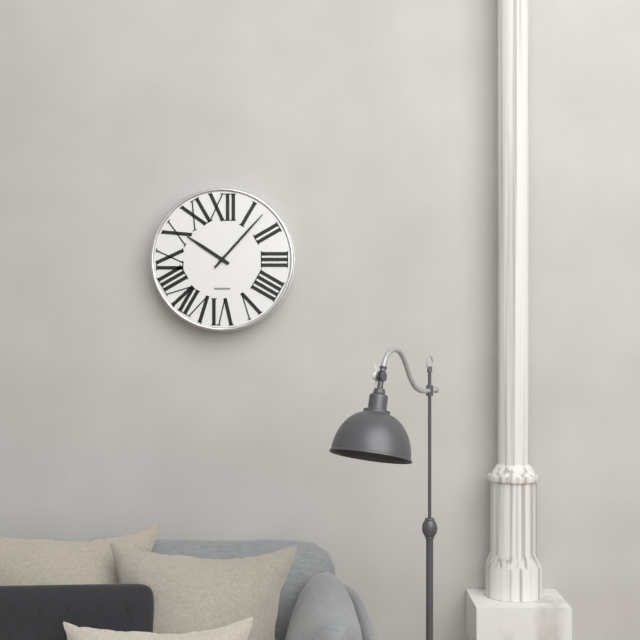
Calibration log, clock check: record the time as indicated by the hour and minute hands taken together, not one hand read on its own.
10:07
